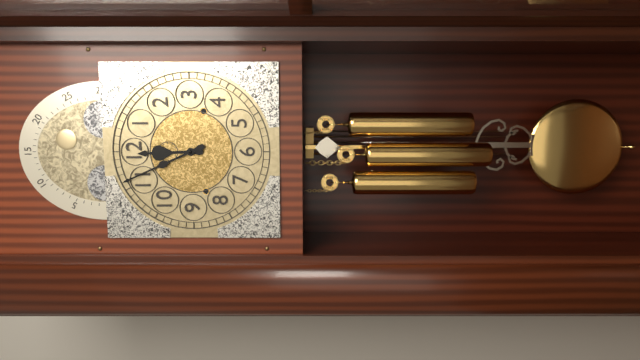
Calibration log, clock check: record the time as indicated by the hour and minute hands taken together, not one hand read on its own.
11:56
